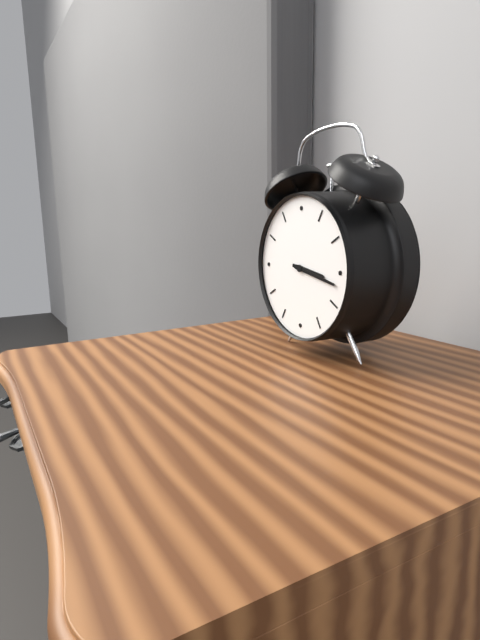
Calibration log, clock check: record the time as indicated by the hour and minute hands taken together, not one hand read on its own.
3:17
